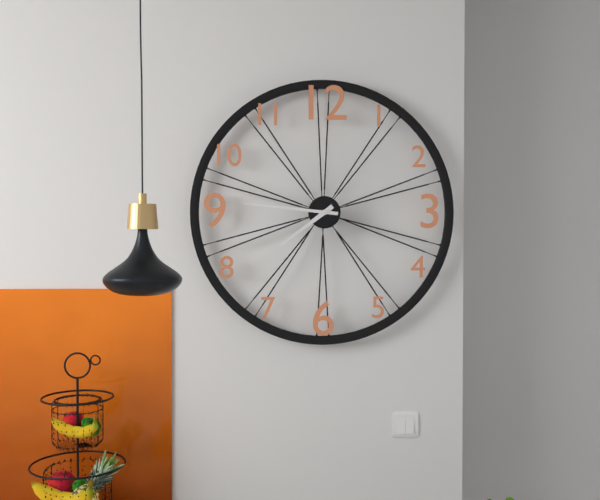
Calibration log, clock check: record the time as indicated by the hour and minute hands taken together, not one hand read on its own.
7:46
